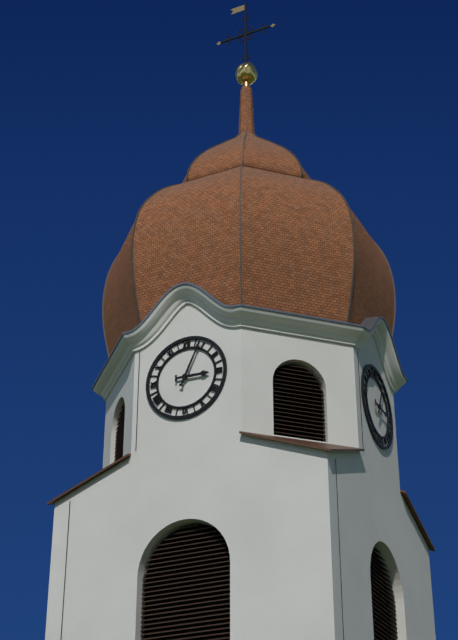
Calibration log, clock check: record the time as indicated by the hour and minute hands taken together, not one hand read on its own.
3:04
